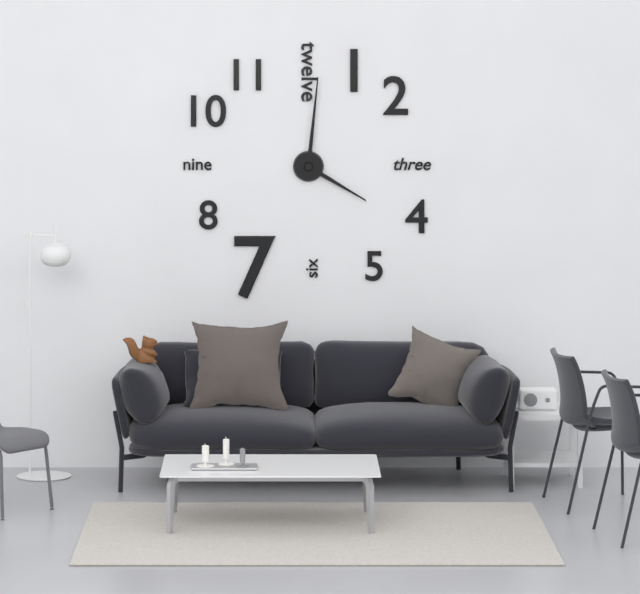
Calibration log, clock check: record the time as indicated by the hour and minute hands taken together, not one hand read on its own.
4:01
